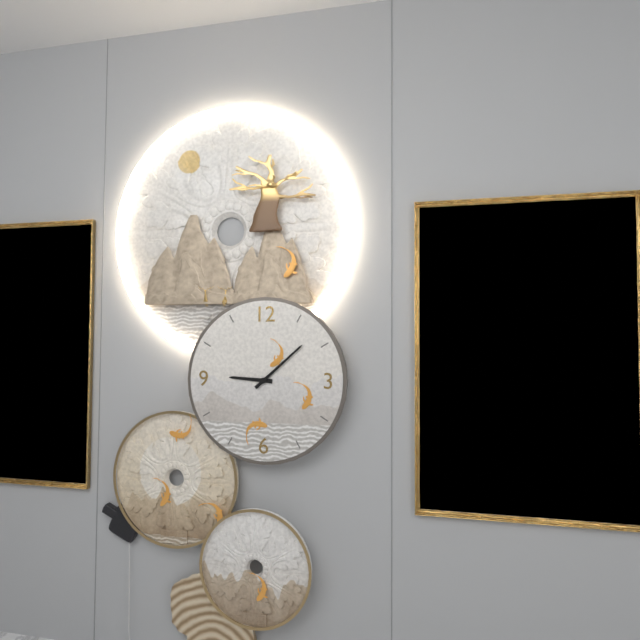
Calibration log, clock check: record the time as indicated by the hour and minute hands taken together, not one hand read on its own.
9:08
